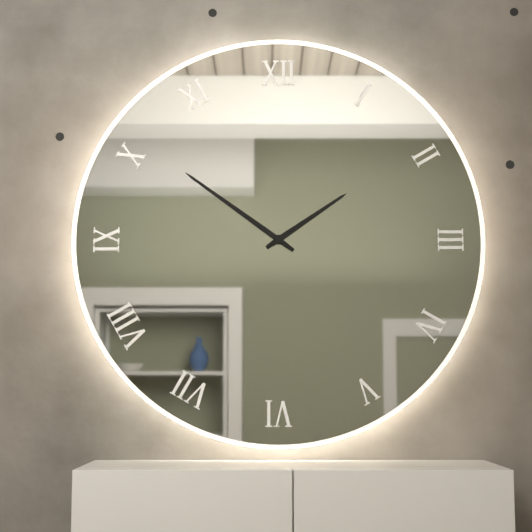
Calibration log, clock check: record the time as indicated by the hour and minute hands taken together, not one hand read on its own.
1:51
